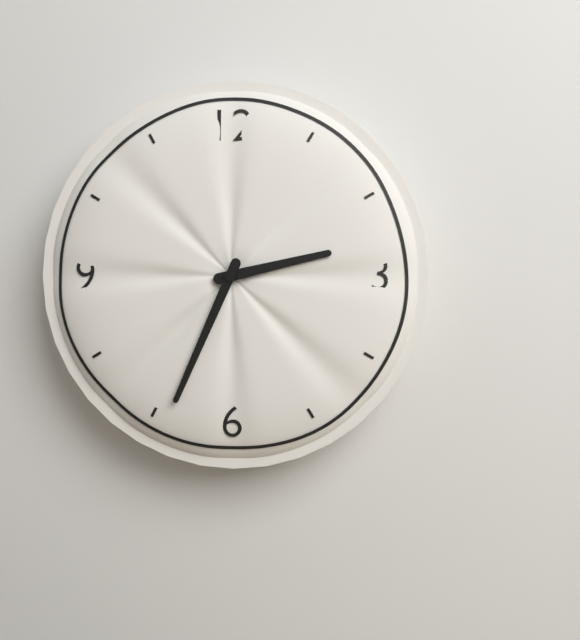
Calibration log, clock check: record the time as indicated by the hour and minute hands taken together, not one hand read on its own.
2:34
